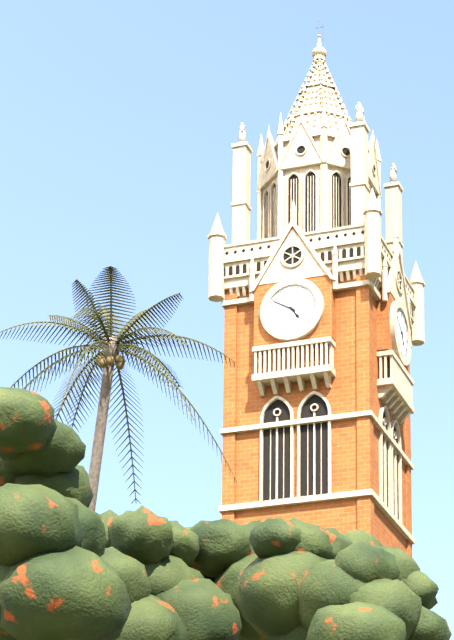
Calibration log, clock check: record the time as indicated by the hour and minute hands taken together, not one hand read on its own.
4:50
